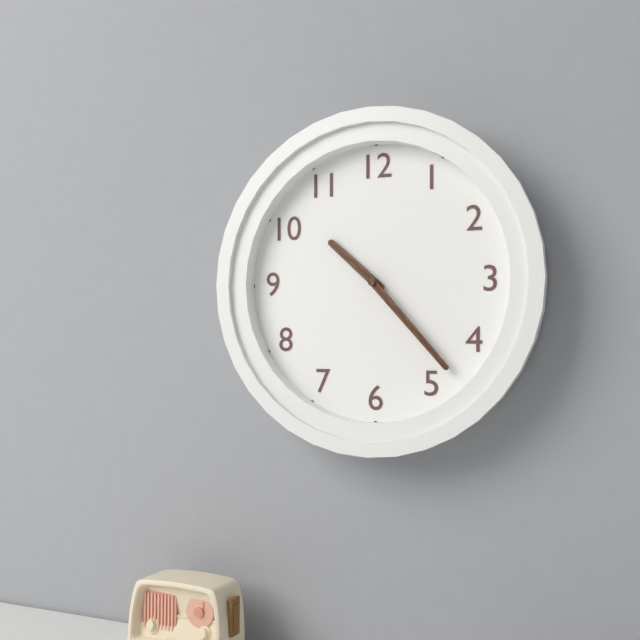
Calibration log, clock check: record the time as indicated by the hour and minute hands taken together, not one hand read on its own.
10:23
